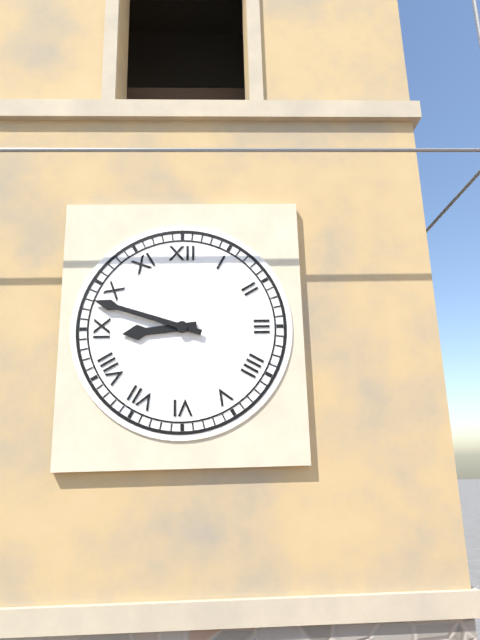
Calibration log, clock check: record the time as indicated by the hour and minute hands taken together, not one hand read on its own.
8:48
